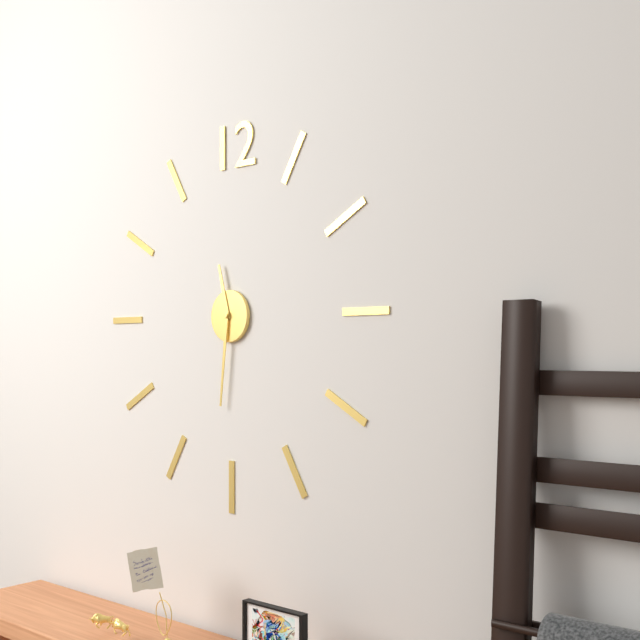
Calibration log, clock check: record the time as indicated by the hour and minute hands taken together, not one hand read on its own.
11:31
